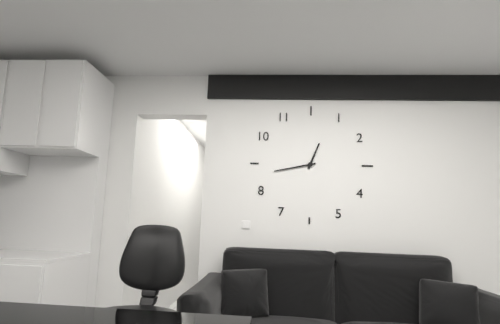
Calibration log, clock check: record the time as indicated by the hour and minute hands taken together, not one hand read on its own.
12:43
